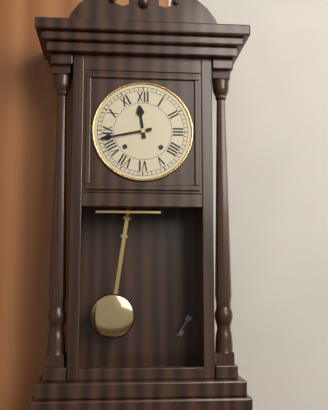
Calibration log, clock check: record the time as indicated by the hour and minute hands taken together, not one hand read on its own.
11:43
